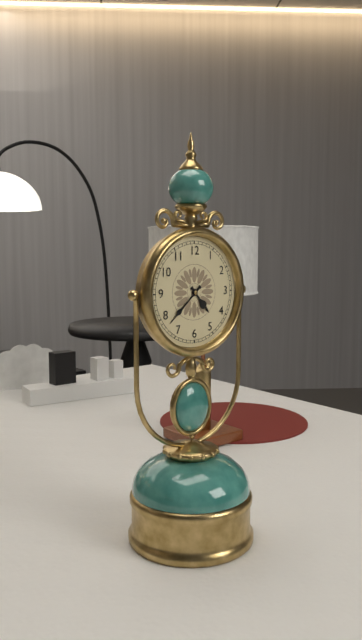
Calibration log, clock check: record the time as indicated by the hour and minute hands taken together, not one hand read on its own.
4:38
